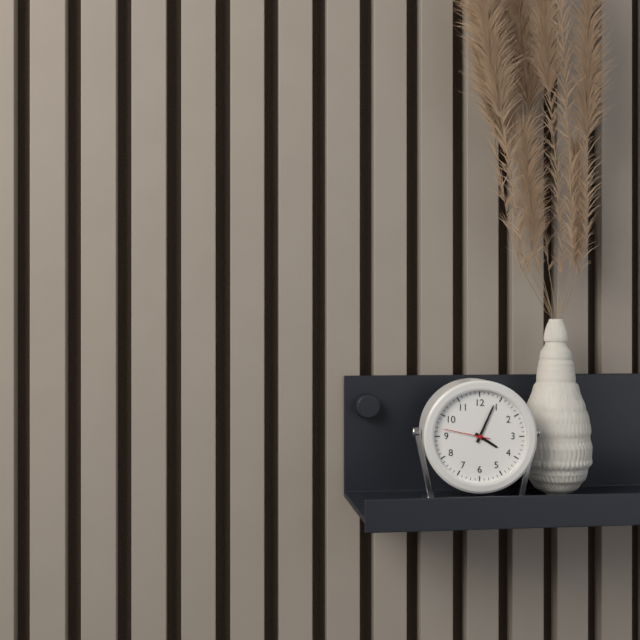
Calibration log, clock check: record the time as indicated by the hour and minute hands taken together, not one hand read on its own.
4:04
